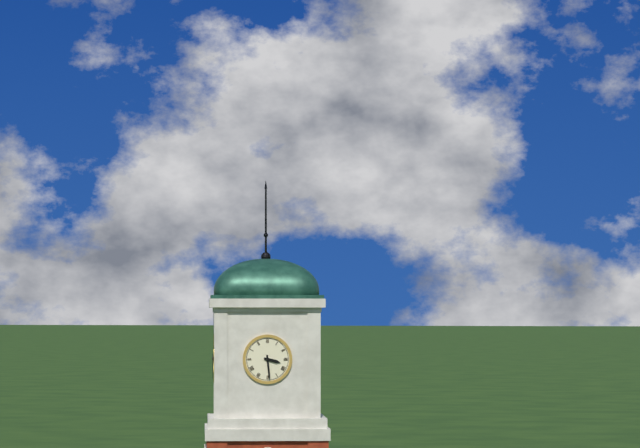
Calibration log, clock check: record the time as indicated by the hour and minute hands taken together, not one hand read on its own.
3:29
